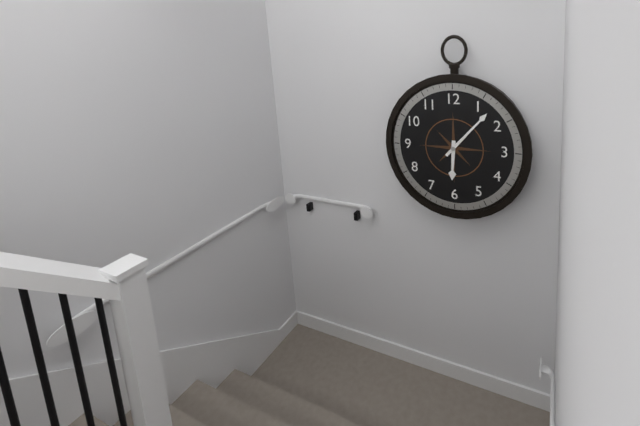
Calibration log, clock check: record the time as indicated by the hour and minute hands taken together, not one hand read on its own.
6:07
